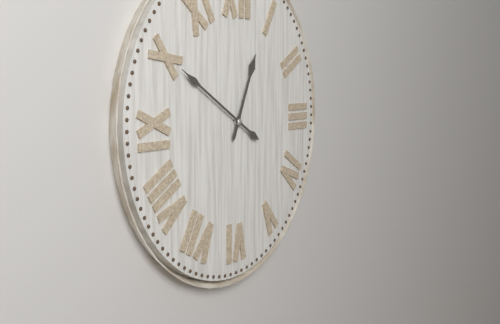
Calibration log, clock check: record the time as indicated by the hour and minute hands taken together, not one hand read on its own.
12:50
